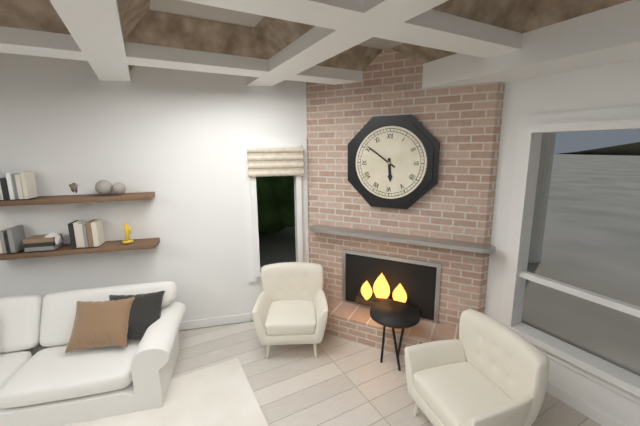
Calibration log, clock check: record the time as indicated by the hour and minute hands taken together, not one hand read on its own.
5:51
